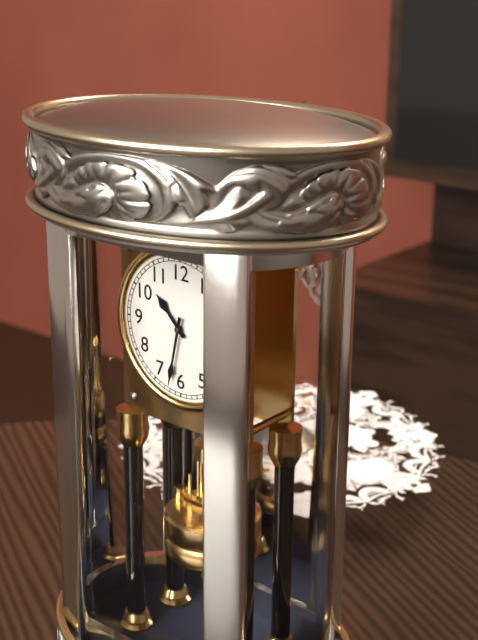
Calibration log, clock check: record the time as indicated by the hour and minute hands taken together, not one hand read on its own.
10:32
